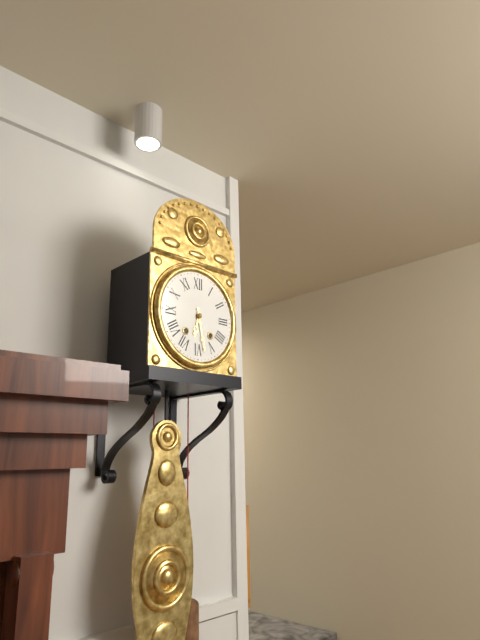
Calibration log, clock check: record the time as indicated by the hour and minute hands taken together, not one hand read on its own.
6:28
